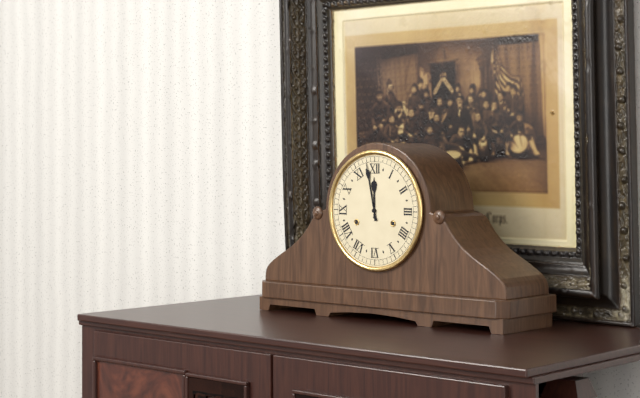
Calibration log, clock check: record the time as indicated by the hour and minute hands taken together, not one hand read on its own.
11:58
